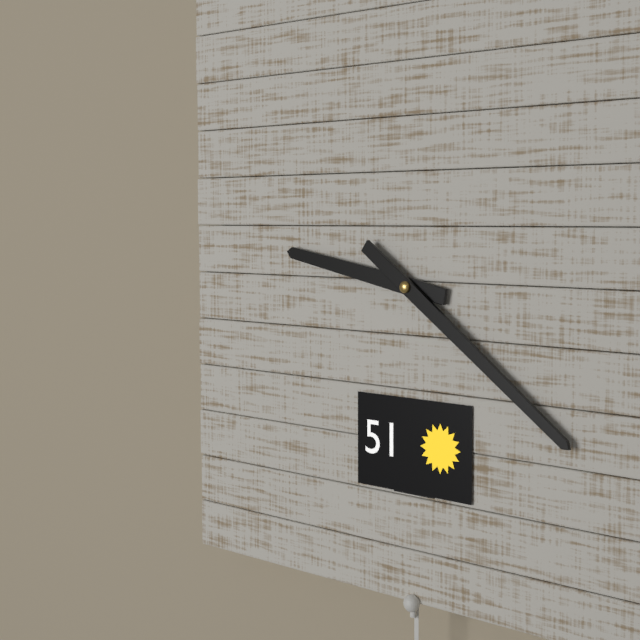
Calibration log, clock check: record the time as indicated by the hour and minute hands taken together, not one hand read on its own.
9:21
